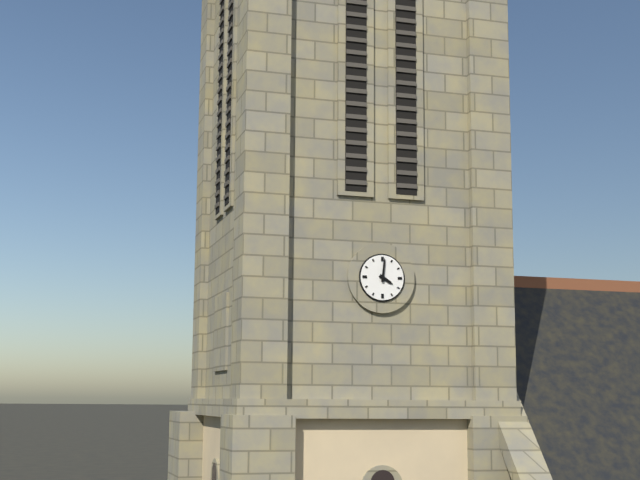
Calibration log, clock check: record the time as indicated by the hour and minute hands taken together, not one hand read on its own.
4:01
